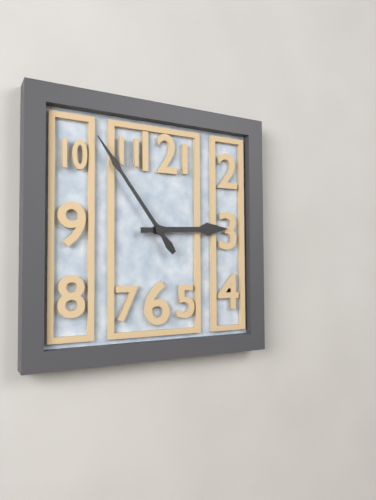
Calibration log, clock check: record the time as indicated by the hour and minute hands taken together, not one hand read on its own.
2:54
